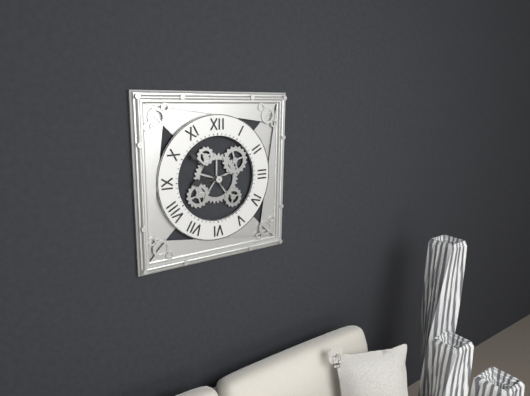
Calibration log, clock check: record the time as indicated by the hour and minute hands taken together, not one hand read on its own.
8:52
